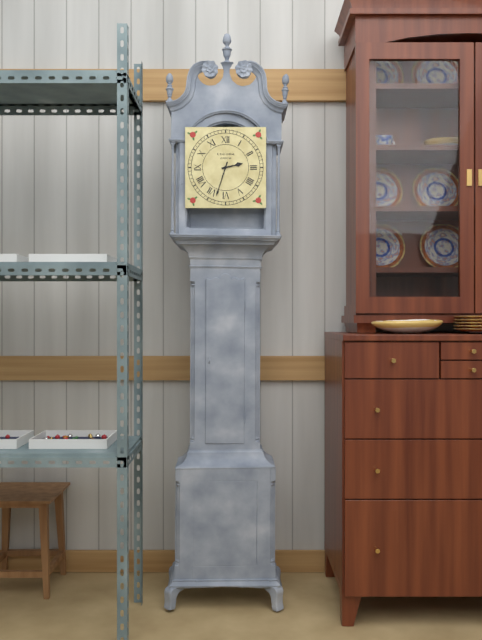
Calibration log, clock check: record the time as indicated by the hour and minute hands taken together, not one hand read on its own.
2:33
